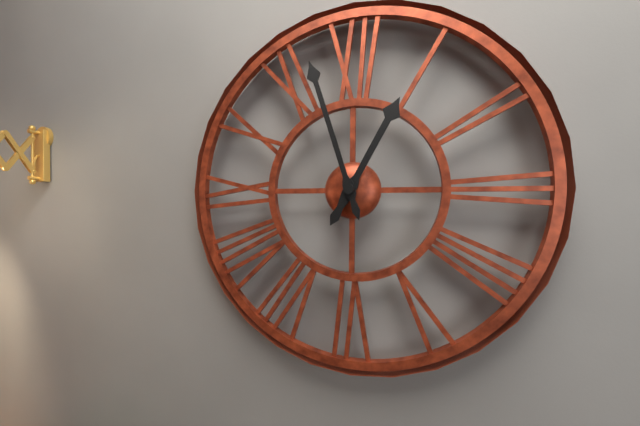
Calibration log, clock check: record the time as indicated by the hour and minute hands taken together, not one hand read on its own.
12:57
